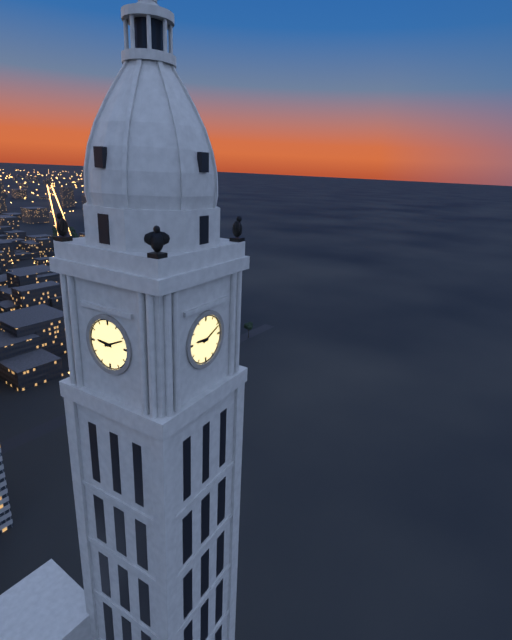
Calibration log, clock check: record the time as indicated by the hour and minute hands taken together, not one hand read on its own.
9:11
